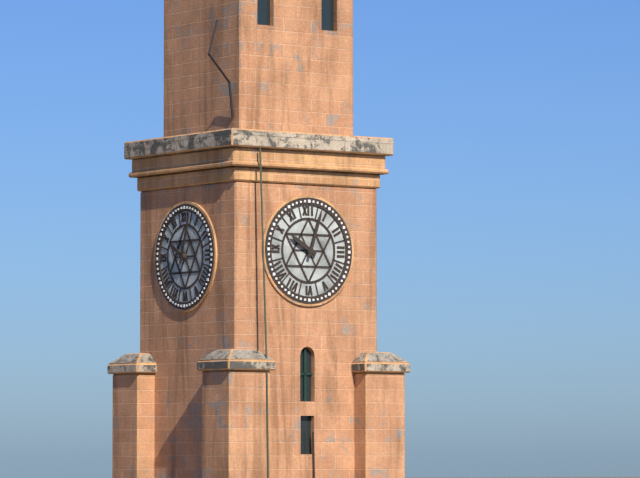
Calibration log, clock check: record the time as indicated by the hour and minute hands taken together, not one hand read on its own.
10:03
